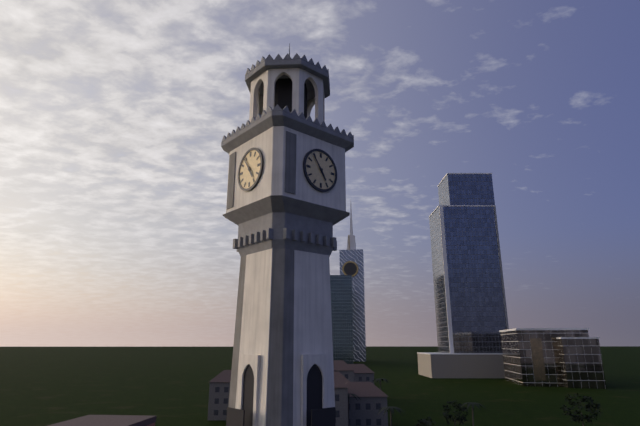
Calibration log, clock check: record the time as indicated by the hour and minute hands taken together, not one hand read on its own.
4:54
